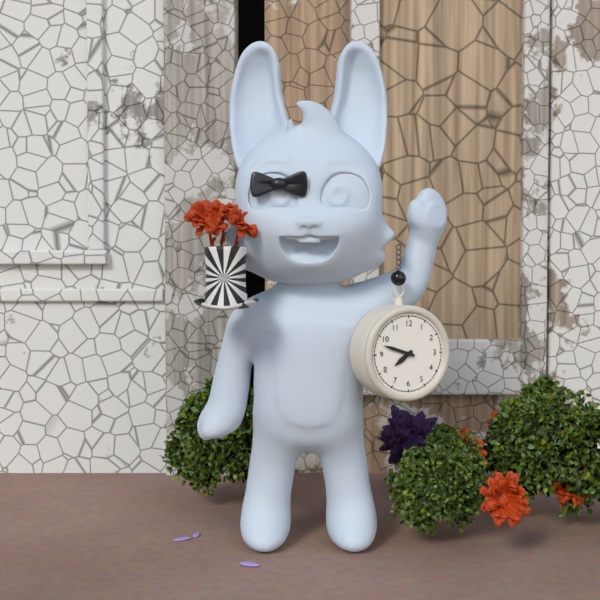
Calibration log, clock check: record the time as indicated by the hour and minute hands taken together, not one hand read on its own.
7:48
